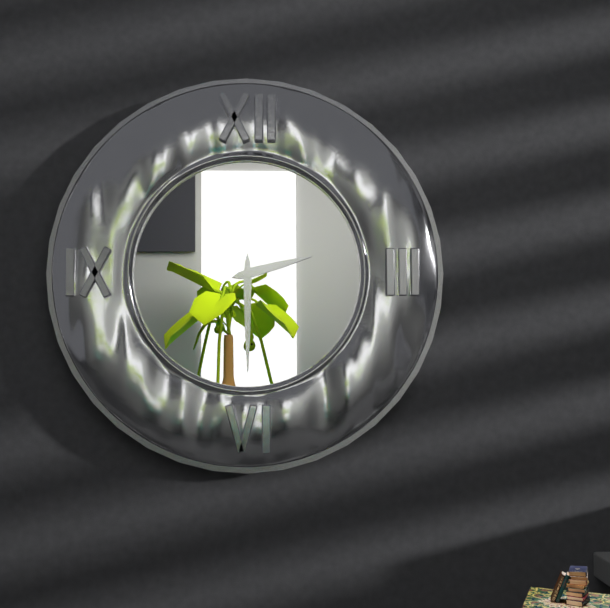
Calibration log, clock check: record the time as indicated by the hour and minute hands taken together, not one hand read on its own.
2:30
